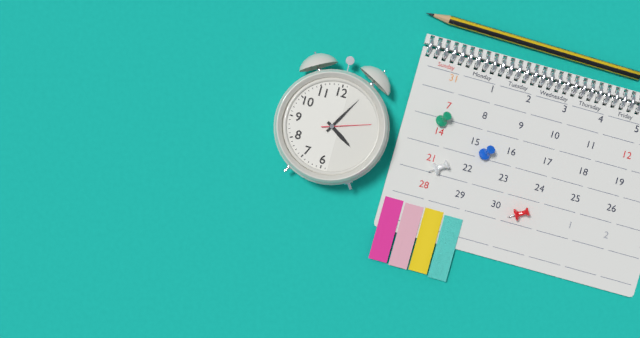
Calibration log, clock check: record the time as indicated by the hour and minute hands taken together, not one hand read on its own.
4:05
